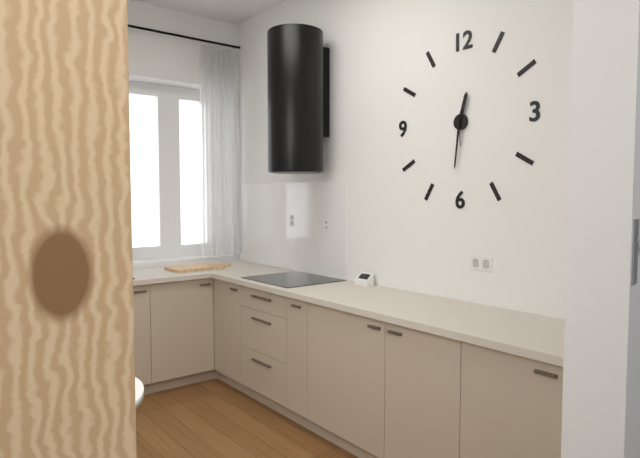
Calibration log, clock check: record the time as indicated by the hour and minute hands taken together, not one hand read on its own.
12:31
